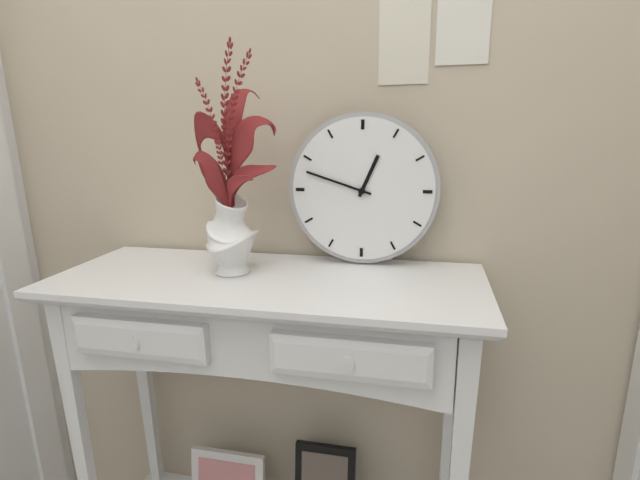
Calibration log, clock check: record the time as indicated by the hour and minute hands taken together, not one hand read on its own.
12:48
